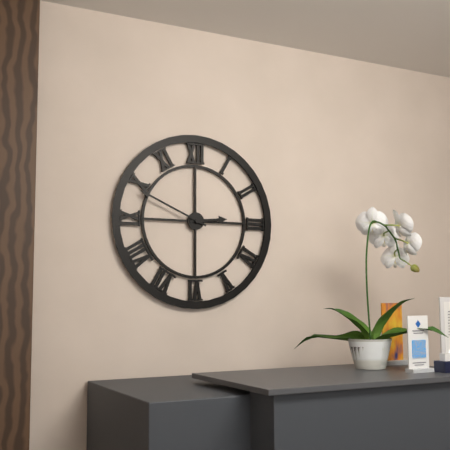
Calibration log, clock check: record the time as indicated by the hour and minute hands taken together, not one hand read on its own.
2:49
